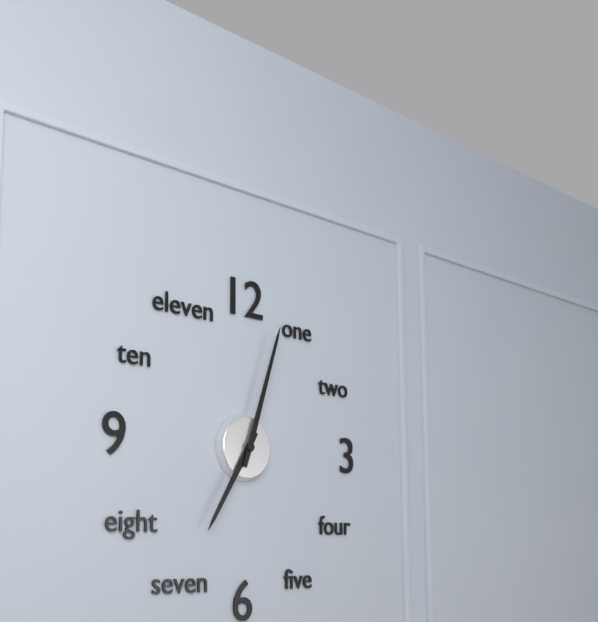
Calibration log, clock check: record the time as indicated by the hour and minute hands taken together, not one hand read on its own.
7:03
